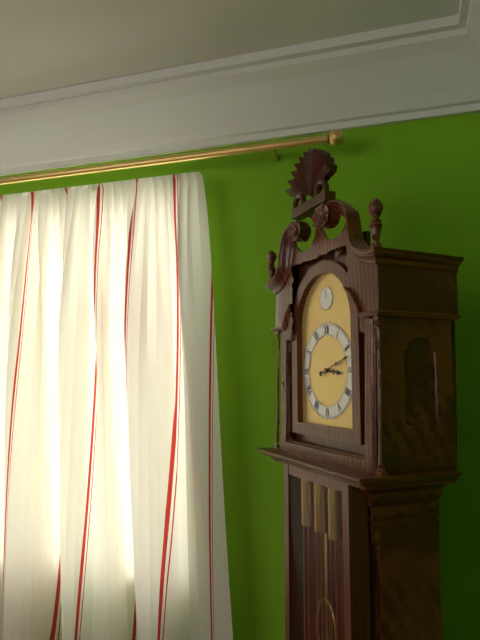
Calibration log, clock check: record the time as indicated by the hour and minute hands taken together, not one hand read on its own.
3:12
